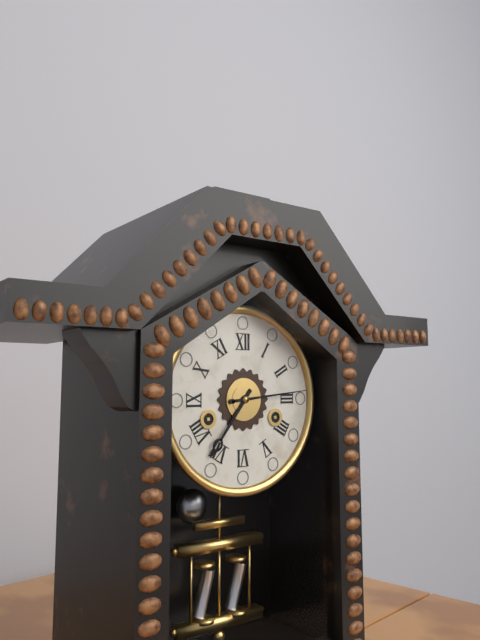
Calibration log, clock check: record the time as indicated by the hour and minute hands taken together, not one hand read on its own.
7:14
